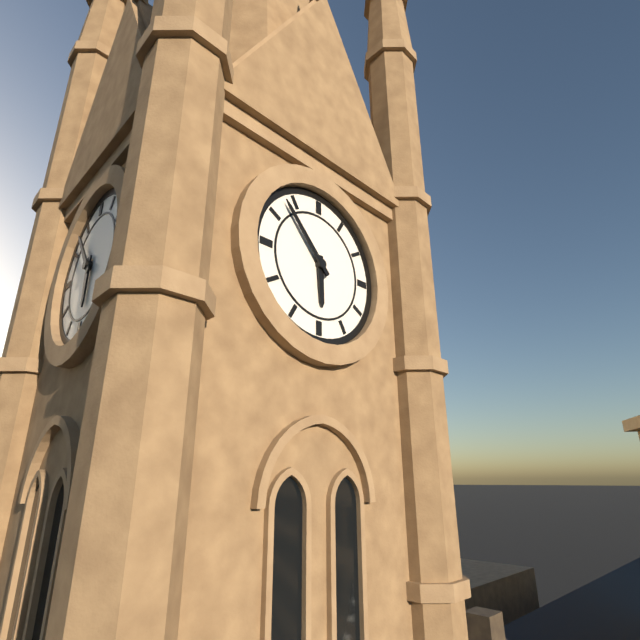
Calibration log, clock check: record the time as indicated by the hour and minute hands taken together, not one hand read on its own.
5:53
